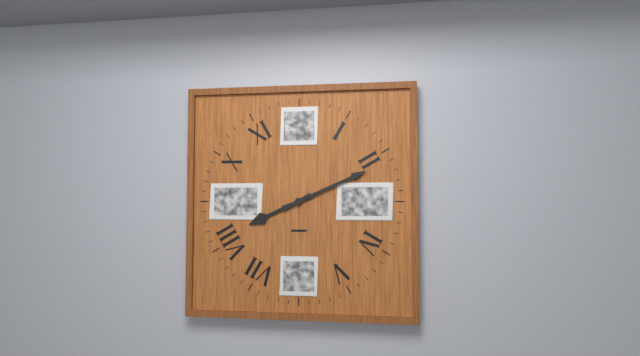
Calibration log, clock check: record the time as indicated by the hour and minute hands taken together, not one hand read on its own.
8:11
